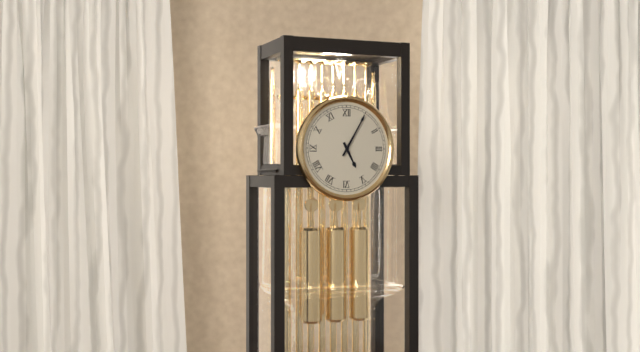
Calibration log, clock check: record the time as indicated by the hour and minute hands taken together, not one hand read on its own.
5:05
